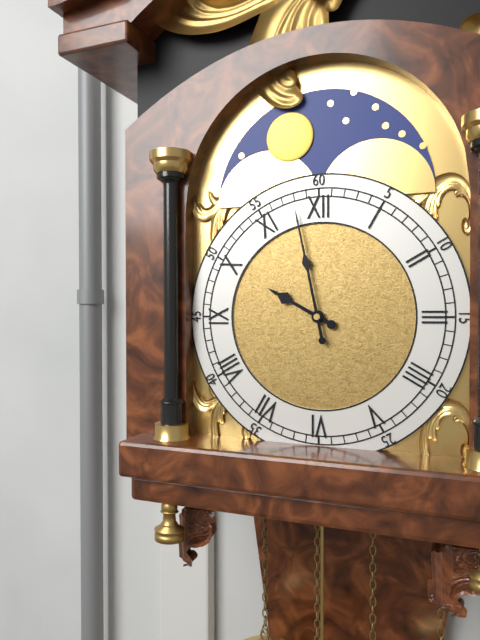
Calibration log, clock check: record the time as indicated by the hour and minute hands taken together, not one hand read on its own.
9:58
